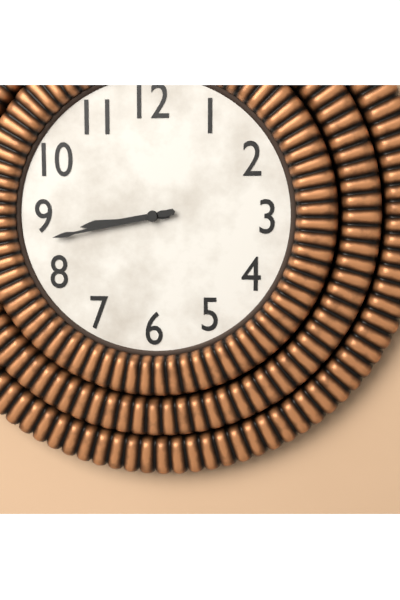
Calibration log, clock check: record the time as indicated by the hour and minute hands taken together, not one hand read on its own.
8:43
